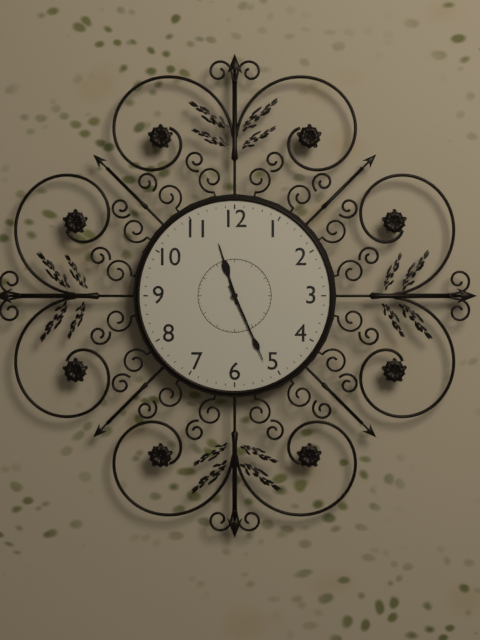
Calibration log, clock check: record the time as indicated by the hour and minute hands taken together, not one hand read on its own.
11:26
